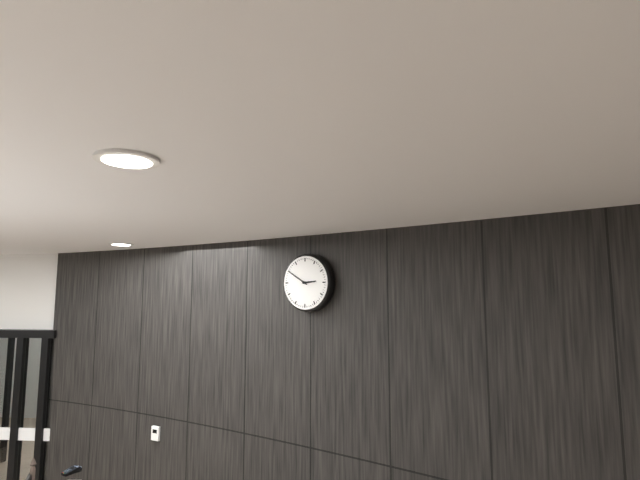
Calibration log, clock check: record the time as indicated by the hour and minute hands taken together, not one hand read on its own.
2:50
